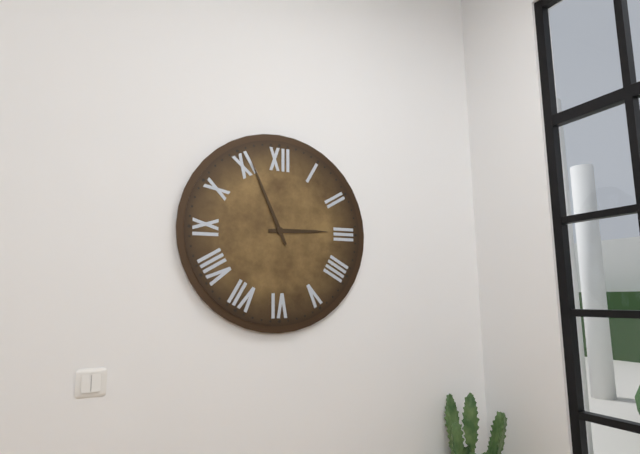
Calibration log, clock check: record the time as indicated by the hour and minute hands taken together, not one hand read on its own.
2:56
